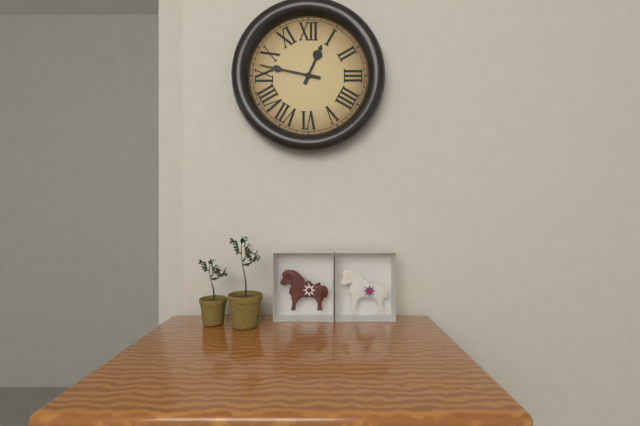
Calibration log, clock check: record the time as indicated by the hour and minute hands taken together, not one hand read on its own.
12:47
